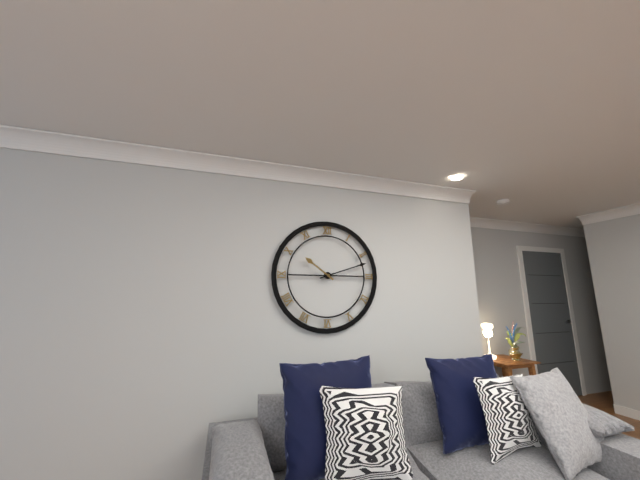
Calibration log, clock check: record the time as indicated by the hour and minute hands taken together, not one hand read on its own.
10:12
